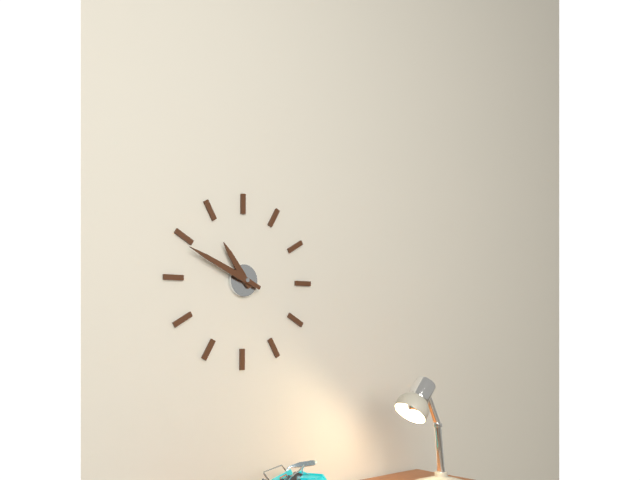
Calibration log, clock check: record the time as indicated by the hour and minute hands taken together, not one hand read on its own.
10:49
